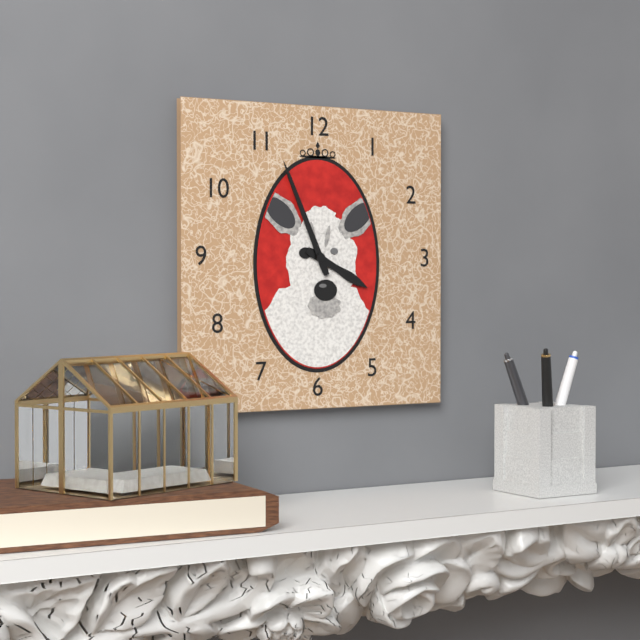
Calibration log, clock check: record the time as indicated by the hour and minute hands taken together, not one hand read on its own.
3:56
